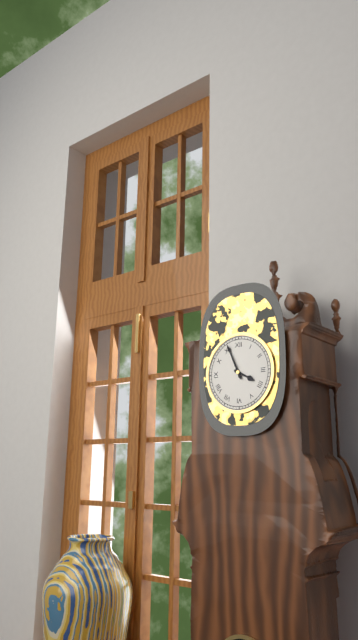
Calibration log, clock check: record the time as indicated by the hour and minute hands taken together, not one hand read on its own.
3:56
